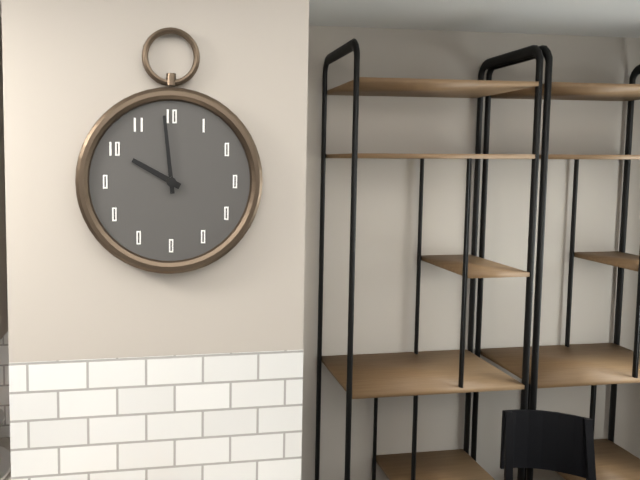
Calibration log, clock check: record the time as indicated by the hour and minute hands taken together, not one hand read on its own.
9:59
